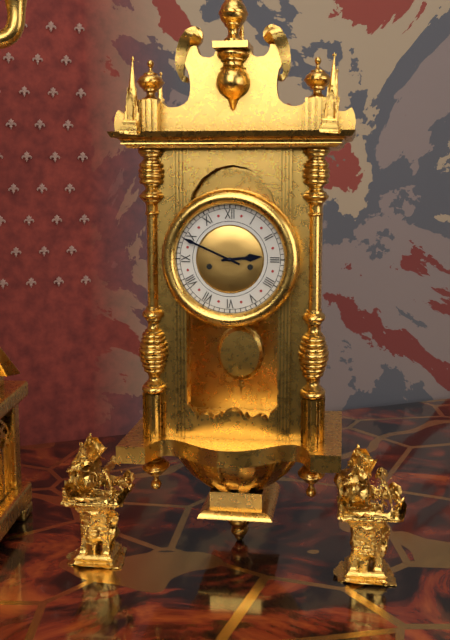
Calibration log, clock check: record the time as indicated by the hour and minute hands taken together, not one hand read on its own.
2:49
